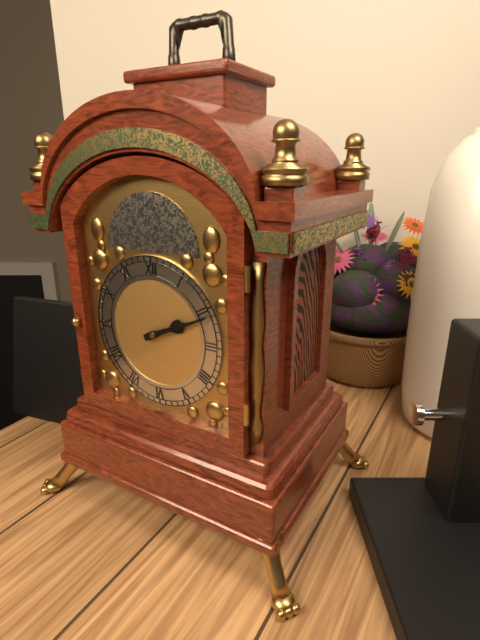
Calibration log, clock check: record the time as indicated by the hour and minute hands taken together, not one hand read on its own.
2:11
